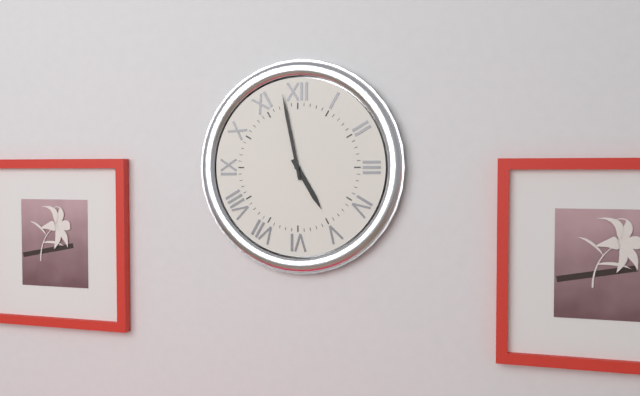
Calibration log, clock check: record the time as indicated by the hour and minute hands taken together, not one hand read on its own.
4:58
